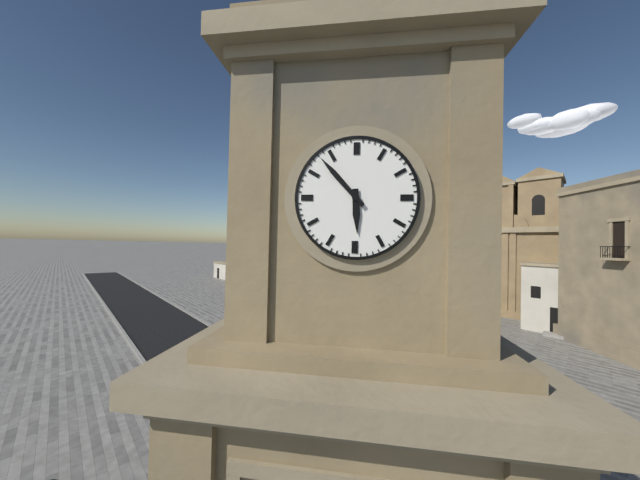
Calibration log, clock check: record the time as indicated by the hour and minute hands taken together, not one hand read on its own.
5:53
